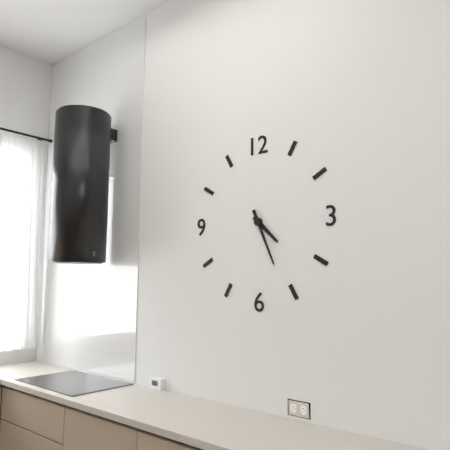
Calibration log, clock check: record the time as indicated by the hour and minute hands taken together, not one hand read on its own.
4:26
